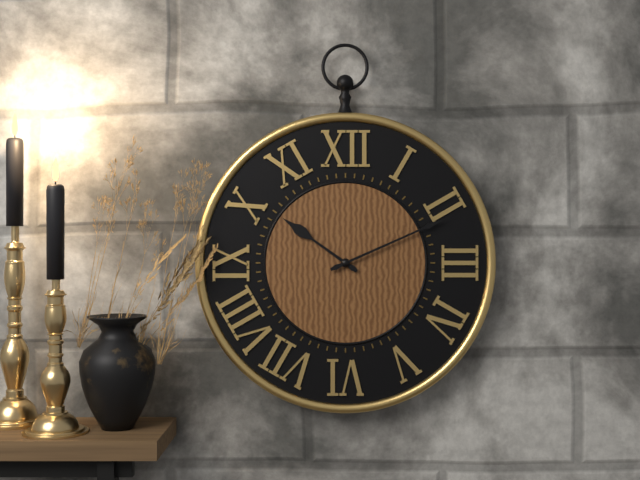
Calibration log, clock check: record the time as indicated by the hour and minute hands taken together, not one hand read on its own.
10:11
